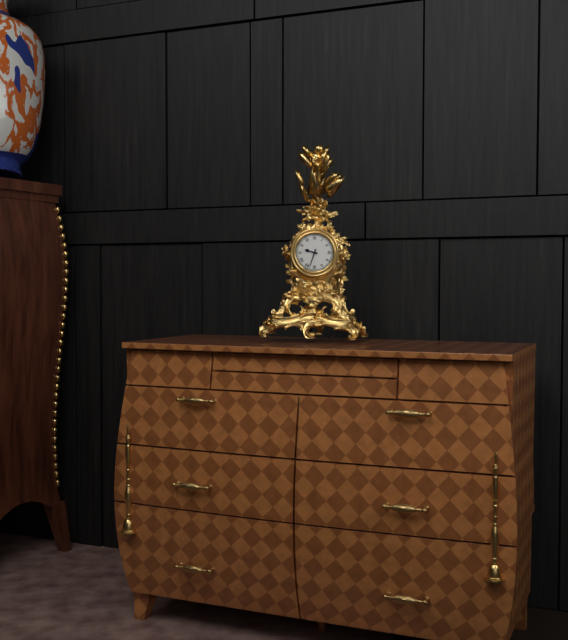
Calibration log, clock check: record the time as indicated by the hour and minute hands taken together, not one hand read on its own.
9:33
